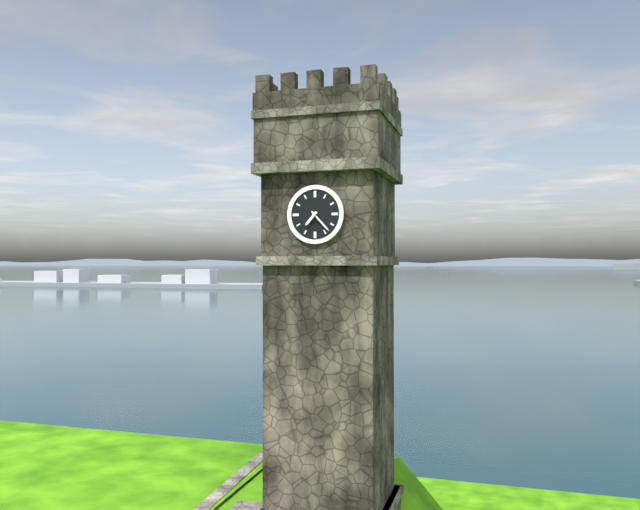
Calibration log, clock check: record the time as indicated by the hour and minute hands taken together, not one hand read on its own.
7:23
